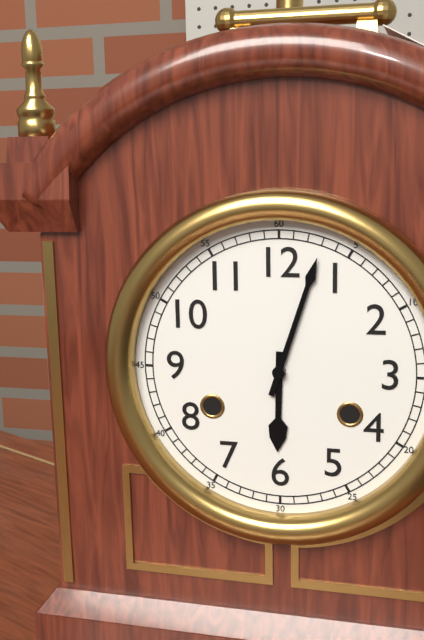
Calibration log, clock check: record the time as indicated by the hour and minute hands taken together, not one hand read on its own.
6:03
